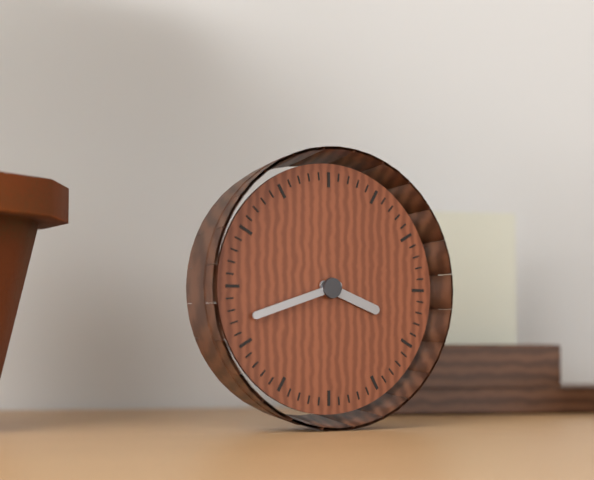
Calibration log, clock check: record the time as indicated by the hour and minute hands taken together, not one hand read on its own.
3:42
